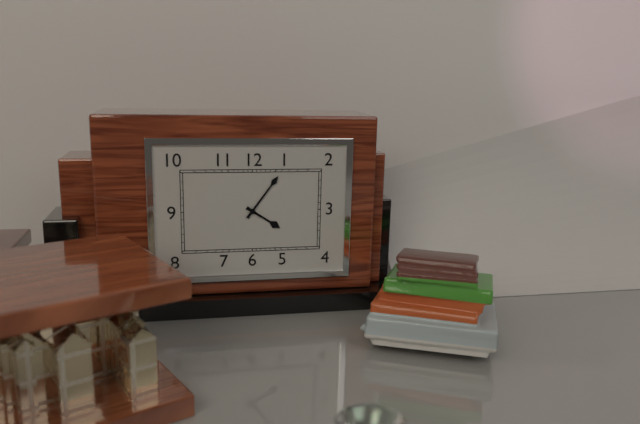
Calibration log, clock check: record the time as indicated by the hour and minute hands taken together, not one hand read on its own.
4:06
